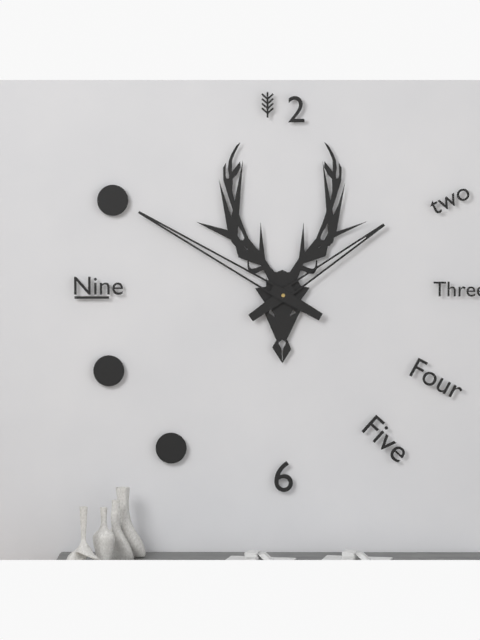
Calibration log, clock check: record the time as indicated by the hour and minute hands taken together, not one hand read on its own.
1:50
